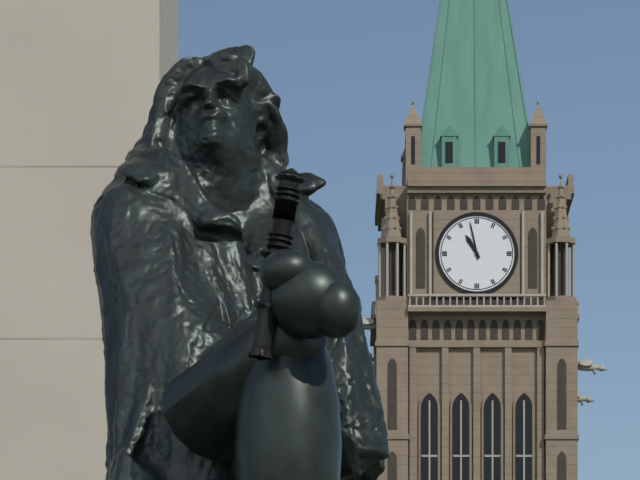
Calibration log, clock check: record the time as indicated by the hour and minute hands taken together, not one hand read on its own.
10:58
